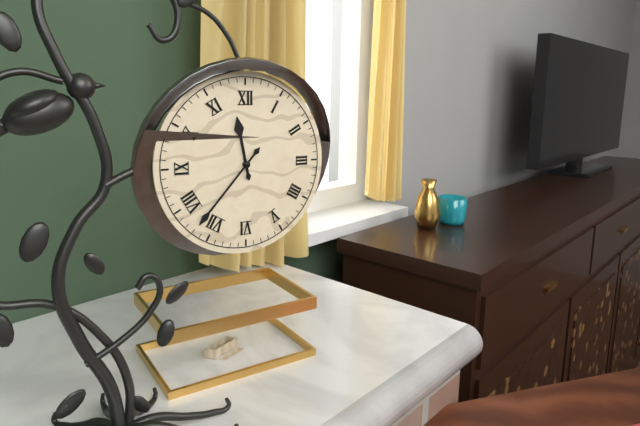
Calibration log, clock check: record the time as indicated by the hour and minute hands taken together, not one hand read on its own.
11:37
